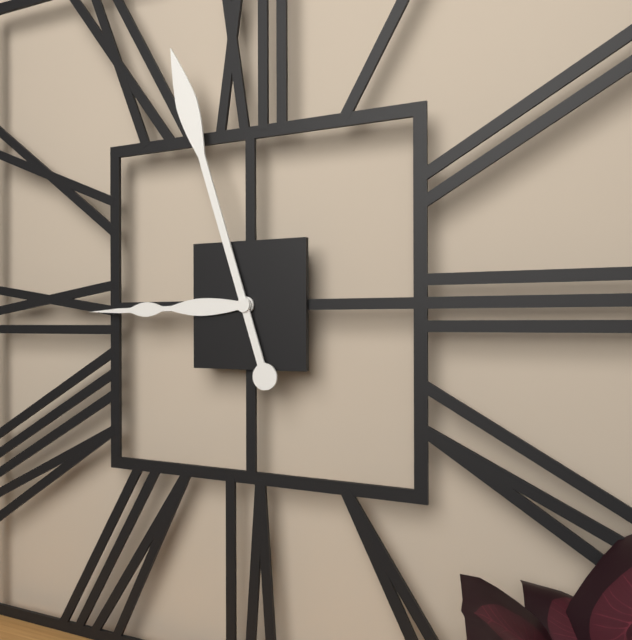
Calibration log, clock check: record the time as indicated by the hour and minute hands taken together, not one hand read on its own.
8:57
